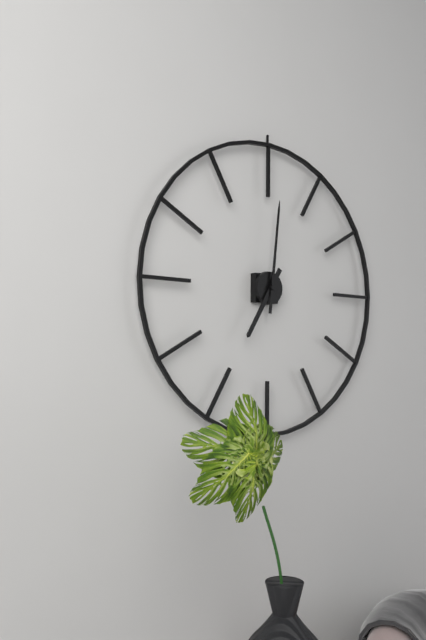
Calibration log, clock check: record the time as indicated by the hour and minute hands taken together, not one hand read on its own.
7:01
